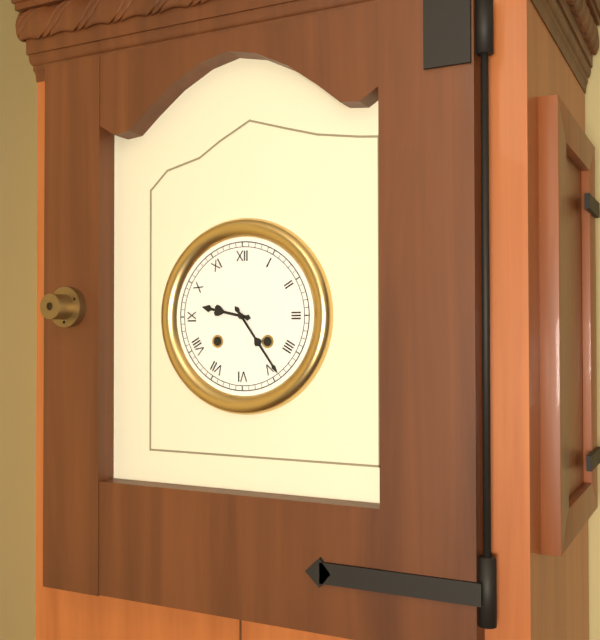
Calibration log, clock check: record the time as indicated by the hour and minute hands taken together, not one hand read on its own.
9:24
